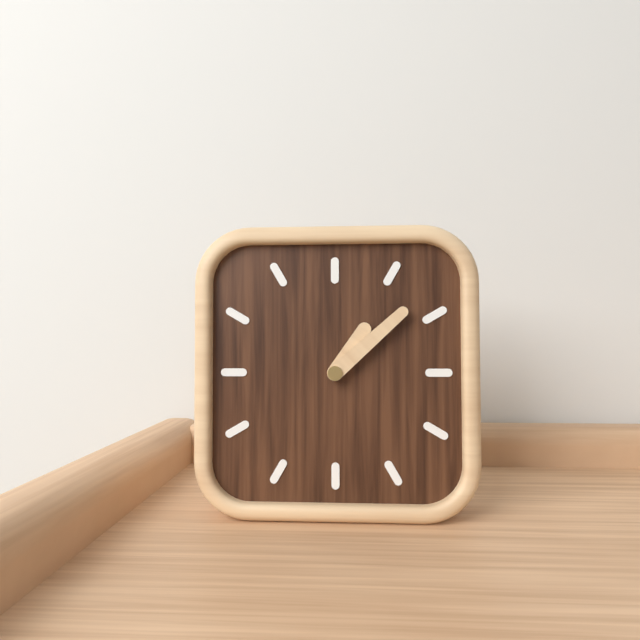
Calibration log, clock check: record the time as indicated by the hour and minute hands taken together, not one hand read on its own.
1:08
